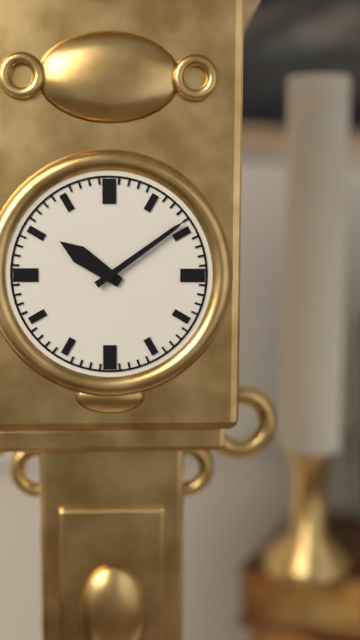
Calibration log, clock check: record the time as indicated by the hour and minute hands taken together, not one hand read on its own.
10:09
